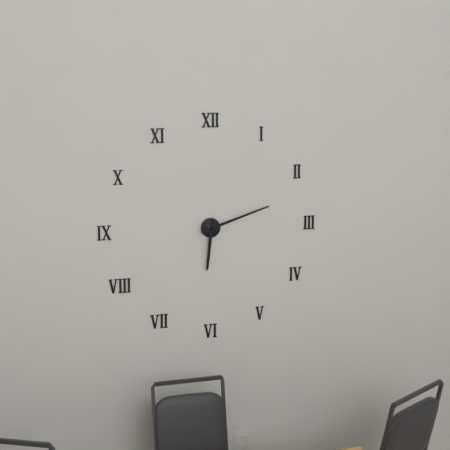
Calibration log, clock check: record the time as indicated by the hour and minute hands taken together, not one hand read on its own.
6:12
